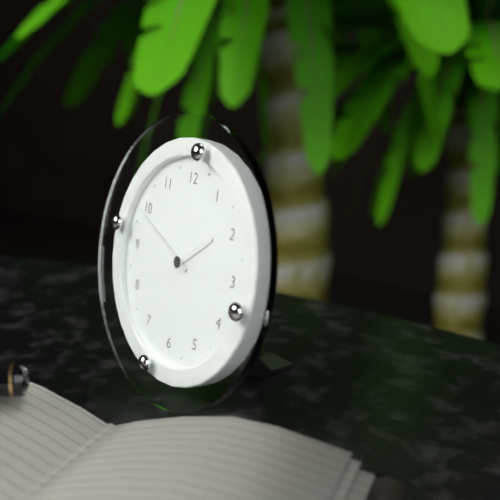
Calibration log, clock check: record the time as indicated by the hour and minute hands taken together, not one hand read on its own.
1:49
